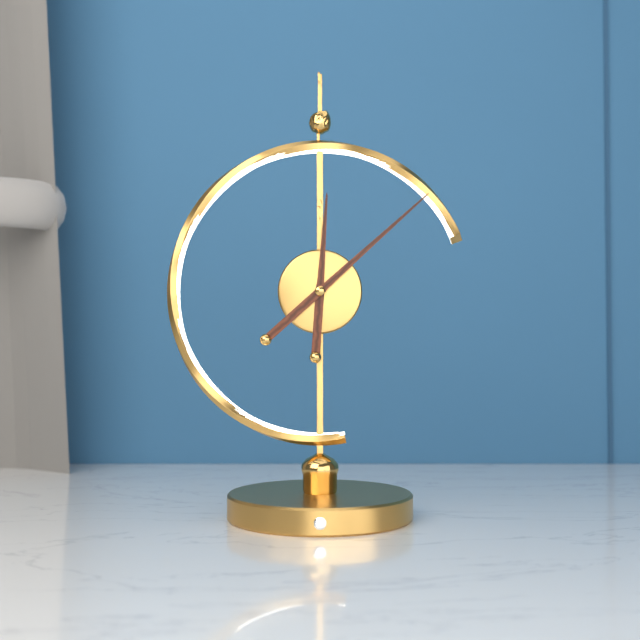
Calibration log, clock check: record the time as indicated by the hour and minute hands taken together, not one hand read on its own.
12:08
